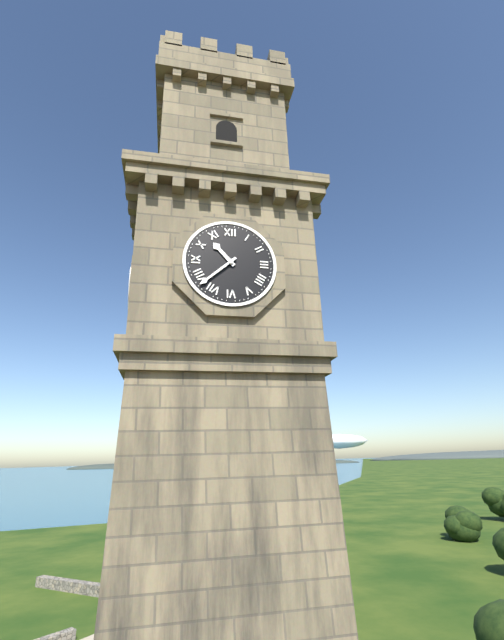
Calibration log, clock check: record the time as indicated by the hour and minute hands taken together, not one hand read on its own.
10:38
